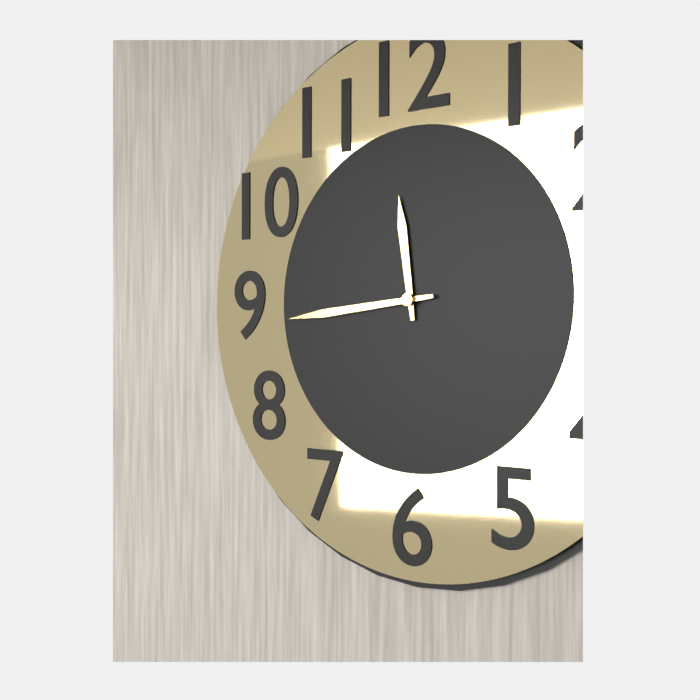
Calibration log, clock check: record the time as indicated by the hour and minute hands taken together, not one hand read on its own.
11:44
